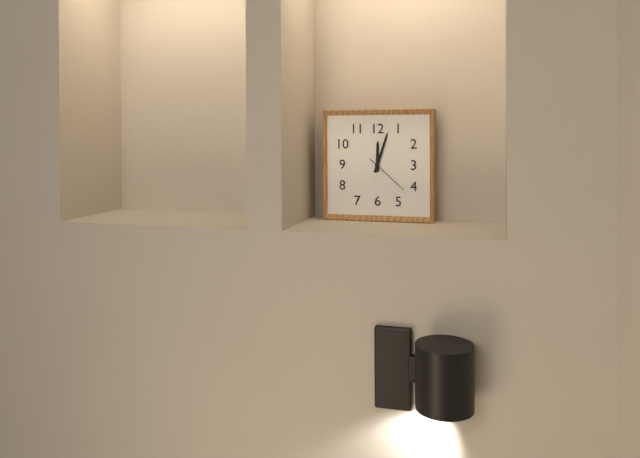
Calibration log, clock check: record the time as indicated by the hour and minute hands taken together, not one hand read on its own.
12:03
